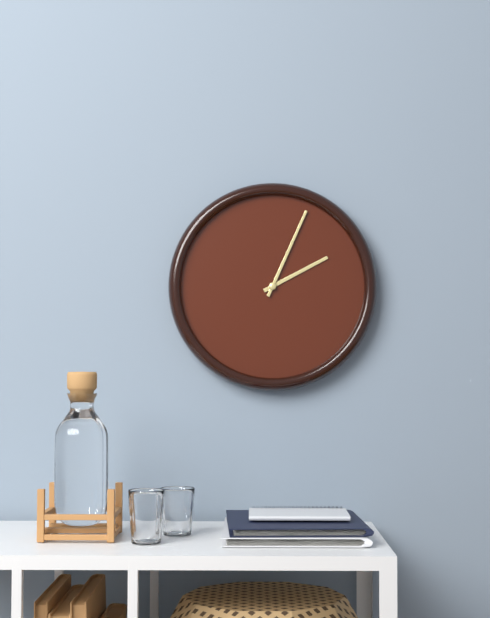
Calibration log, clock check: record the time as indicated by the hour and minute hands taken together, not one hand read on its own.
2:04
